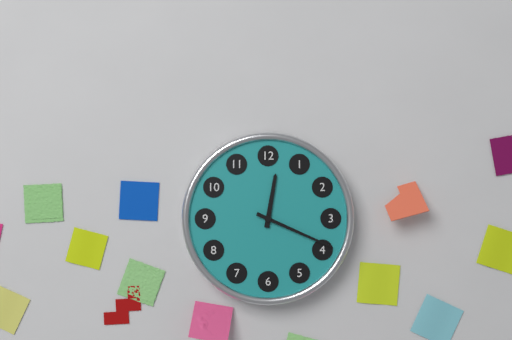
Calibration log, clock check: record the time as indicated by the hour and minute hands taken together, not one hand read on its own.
12:19
